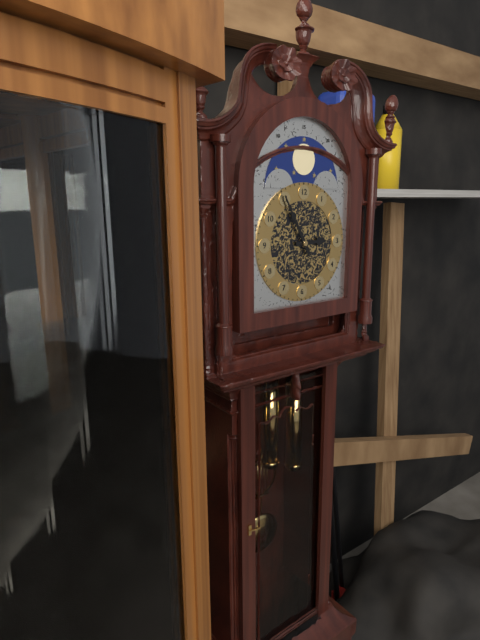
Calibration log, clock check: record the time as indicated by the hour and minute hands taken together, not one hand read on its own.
2:55
